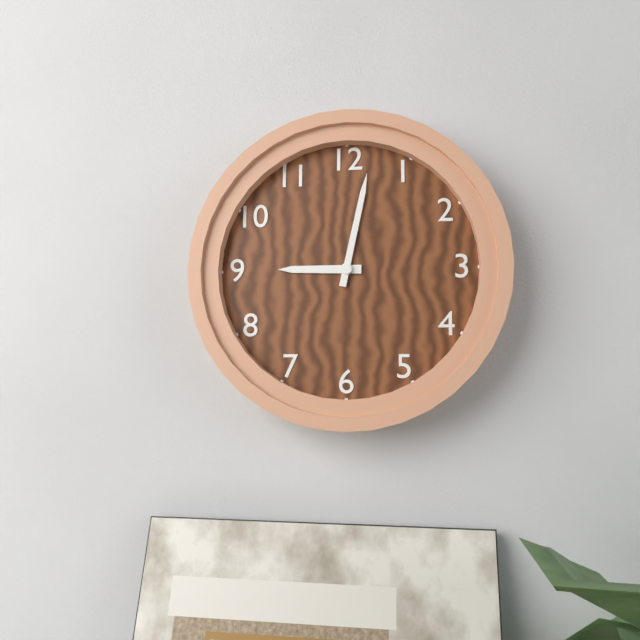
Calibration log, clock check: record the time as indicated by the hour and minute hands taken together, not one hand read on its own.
9:02
